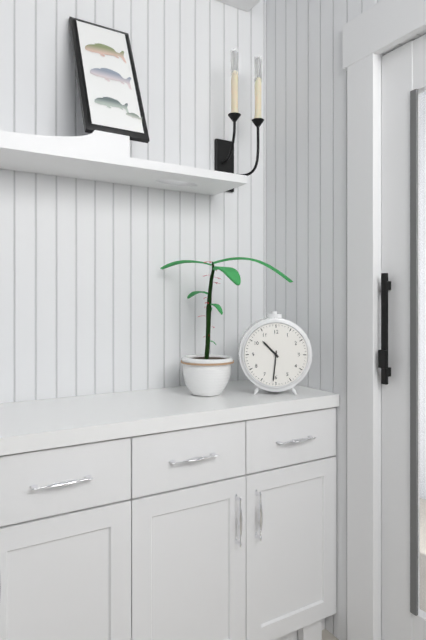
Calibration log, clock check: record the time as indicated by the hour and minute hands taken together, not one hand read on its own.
10:31
